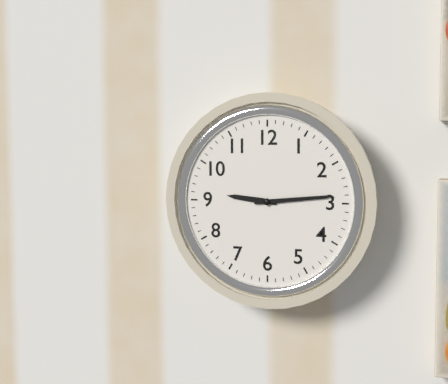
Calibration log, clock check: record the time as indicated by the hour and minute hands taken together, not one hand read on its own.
9:14
